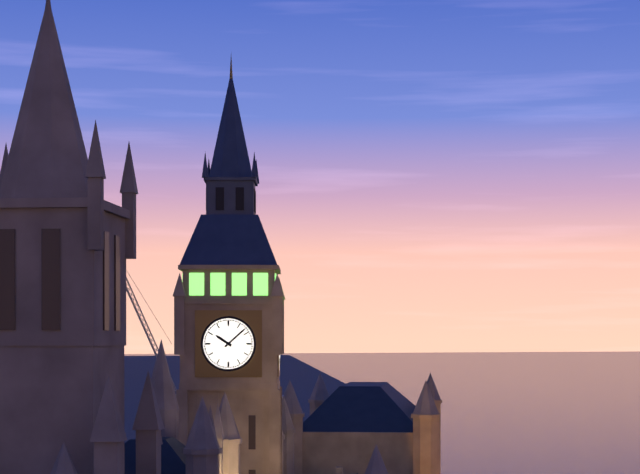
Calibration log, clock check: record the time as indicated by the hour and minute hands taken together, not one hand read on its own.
10:08
